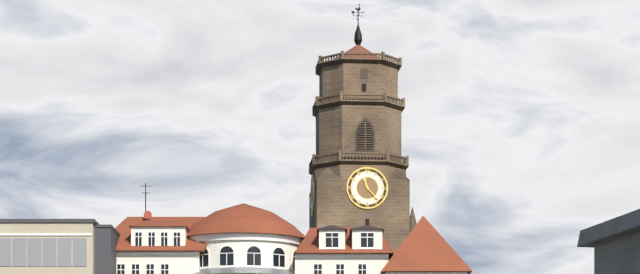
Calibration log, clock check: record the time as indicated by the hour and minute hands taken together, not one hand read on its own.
11:23
